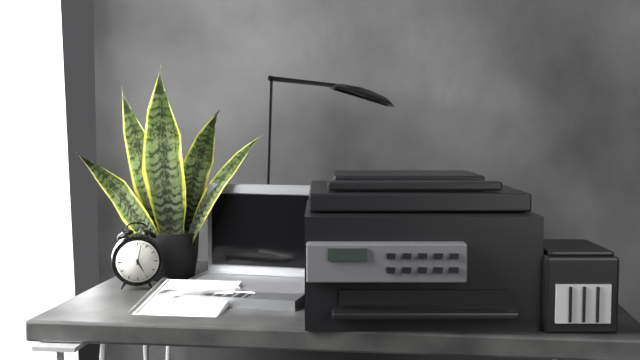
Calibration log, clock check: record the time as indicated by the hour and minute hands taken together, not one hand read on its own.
5:02
